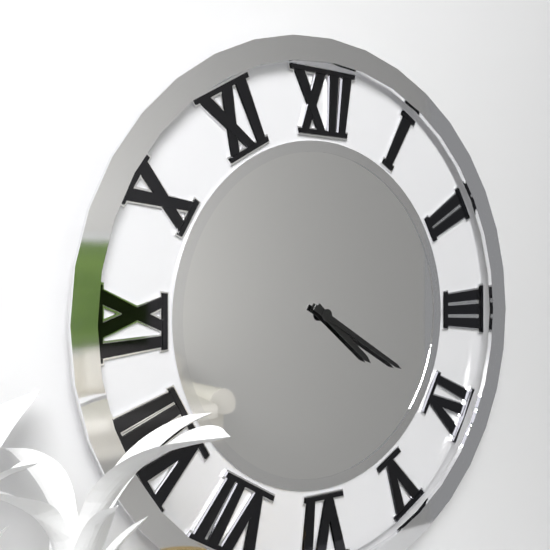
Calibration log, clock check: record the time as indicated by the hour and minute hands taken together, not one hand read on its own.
4:20
